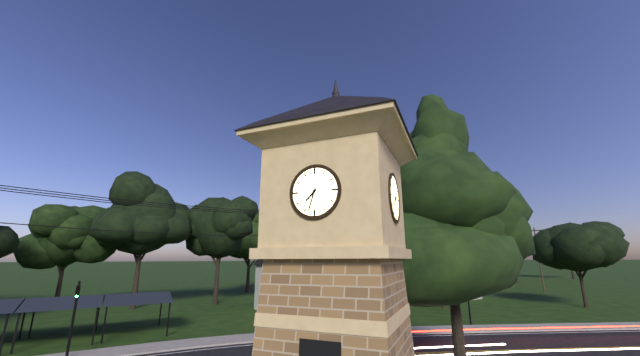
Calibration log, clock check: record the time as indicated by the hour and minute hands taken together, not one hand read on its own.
7:33
